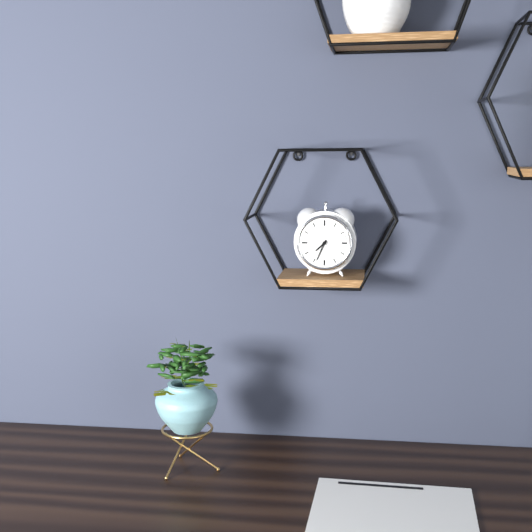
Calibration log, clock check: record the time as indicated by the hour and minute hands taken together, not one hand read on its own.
7:34
